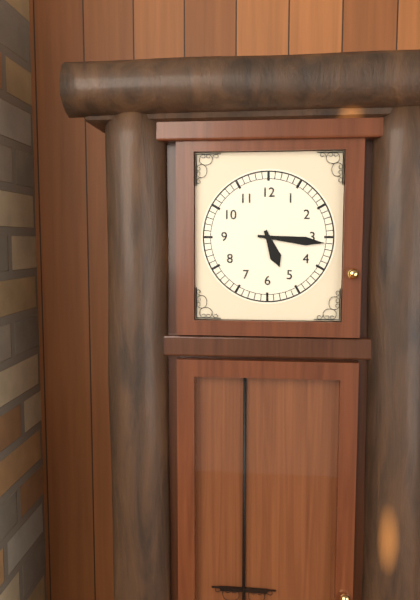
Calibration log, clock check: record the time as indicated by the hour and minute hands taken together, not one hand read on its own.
5:16
